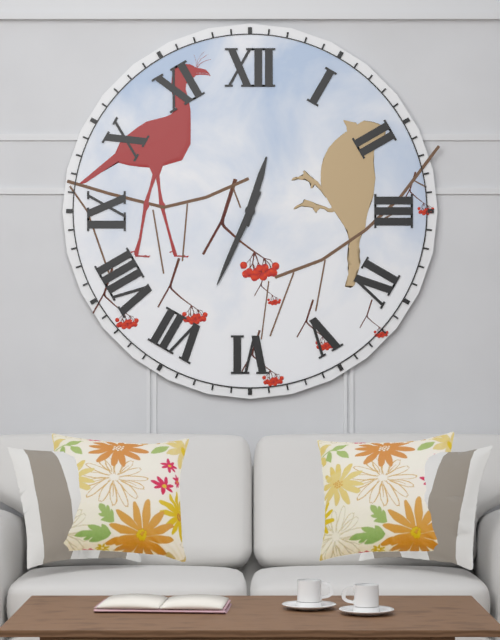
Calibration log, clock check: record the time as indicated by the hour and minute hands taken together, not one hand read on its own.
12:34
